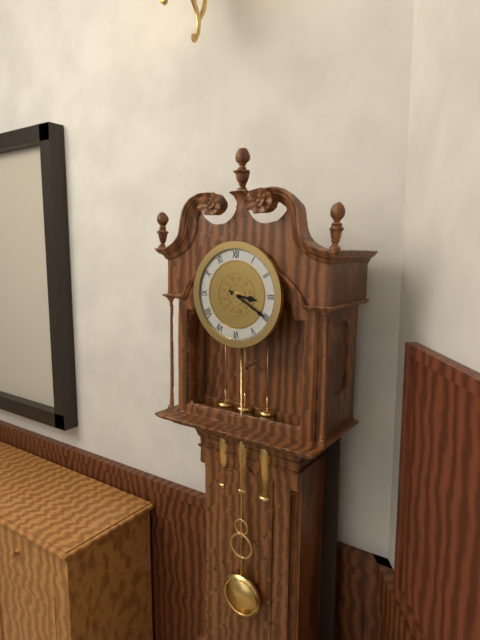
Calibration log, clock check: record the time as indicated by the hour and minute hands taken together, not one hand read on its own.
3:20
